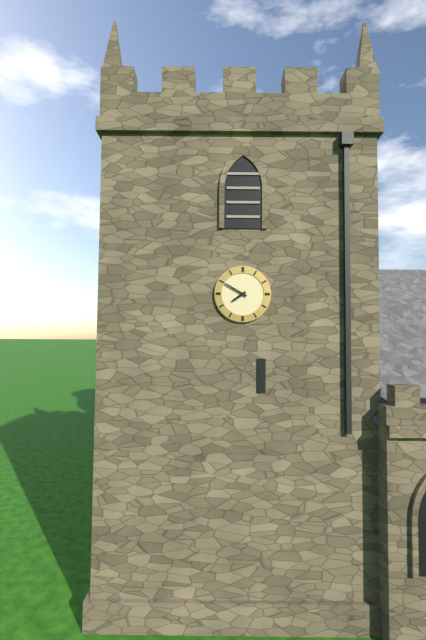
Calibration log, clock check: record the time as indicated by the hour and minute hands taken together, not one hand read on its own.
7:50
